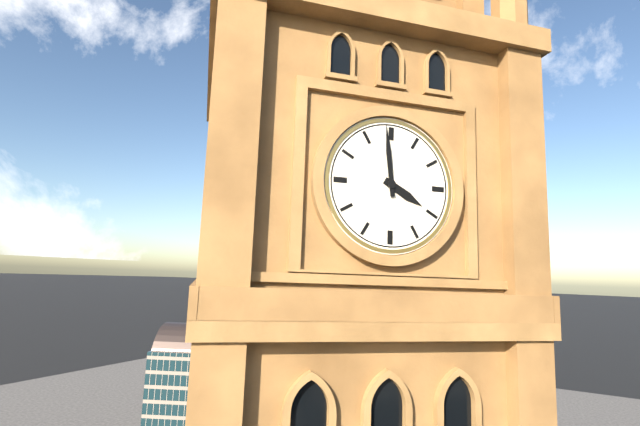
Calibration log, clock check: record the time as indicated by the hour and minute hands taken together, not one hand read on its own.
3:59
